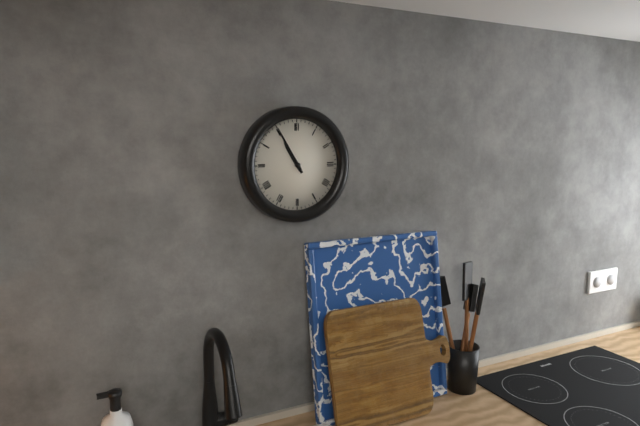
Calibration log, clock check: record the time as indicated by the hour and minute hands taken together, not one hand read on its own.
10:55
